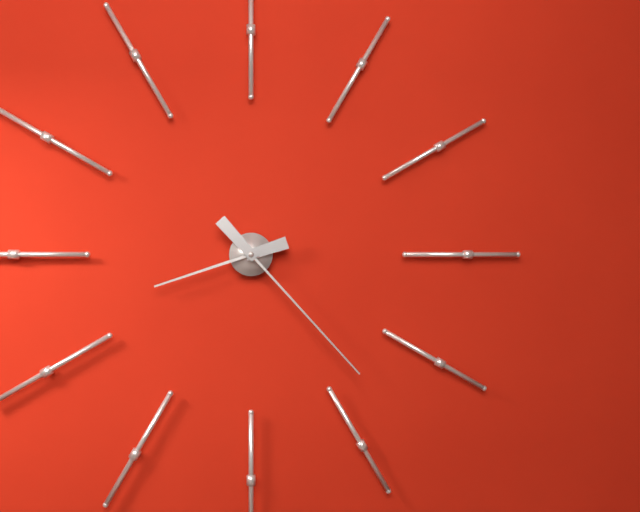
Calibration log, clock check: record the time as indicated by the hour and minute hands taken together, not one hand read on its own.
8:23
